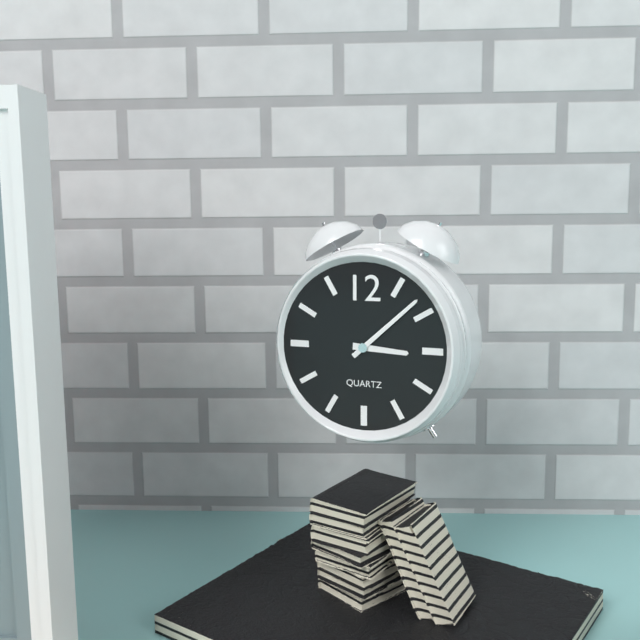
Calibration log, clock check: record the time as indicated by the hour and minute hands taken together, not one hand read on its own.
3:08
